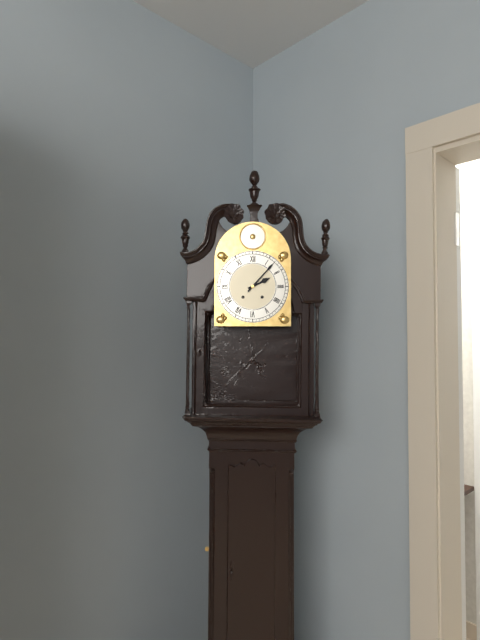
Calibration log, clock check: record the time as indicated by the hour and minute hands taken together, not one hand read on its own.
2:07
